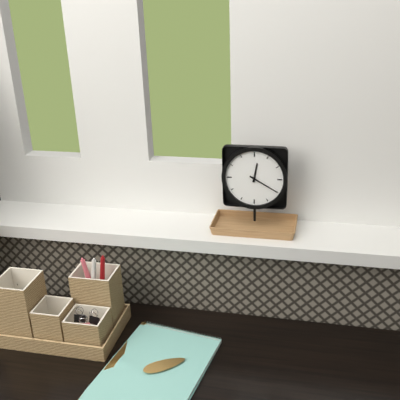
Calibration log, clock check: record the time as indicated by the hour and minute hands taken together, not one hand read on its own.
12:20
